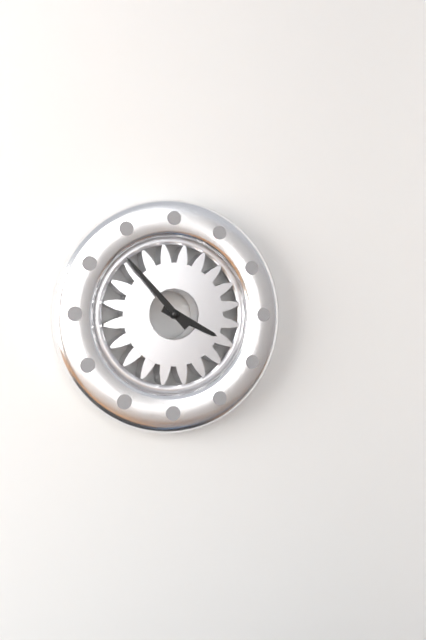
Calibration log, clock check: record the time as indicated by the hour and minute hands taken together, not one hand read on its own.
3:53
